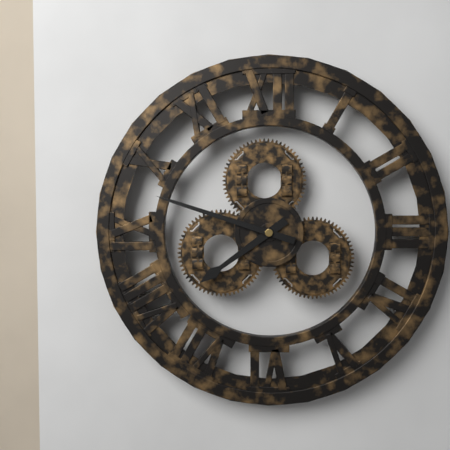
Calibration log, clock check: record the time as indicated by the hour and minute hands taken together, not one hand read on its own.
7:48
